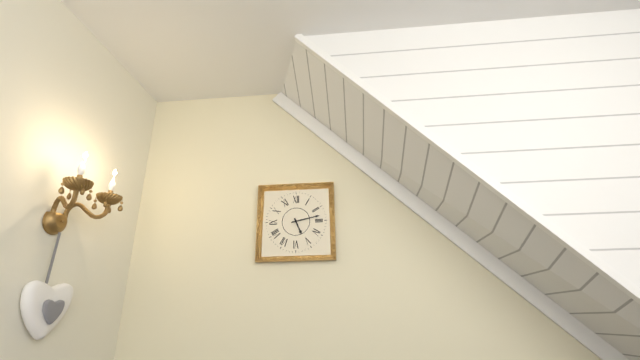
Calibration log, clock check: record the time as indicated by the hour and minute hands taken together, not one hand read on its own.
5:13
